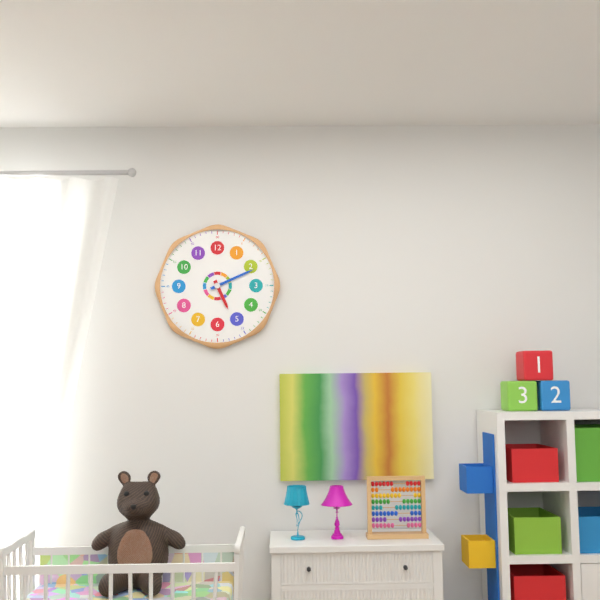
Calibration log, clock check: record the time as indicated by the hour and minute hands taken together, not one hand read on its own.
5:11
